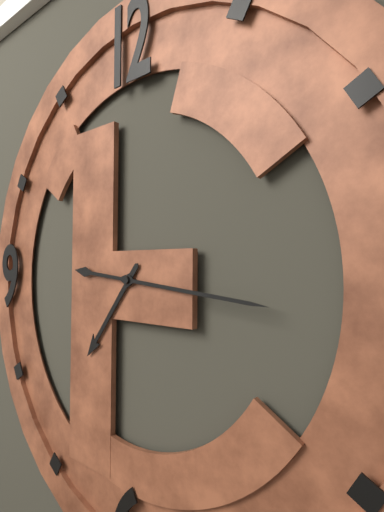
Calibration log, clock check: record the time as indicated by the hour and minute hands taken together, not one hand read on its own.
7:16
